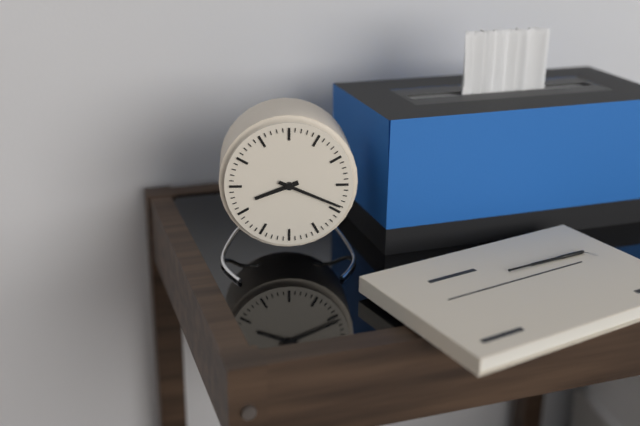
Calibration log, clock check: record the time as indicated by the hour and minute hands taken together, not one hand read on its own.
8:19
